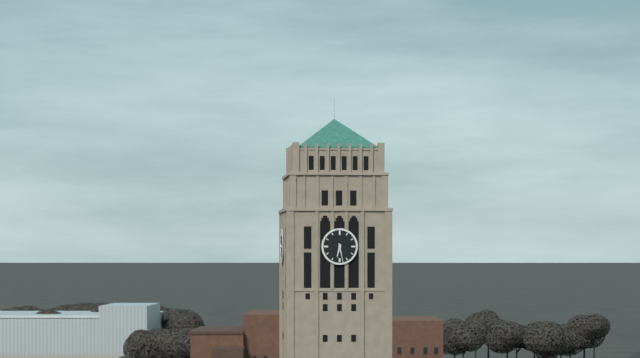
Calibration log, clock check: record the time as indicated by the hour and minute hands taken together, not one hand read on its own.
6:28
